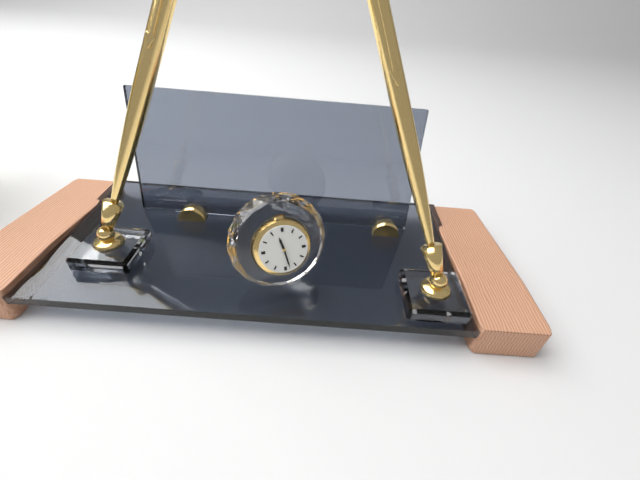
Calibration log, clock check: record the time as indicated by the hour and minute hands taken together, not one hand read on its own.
11:28
